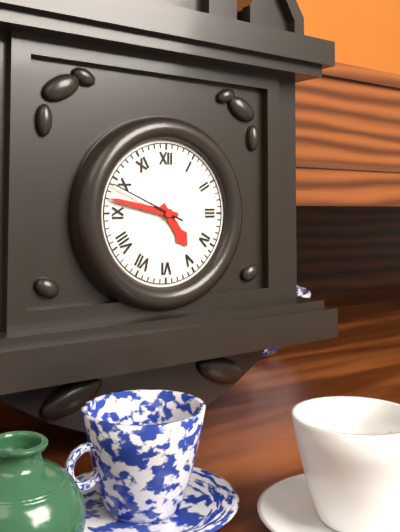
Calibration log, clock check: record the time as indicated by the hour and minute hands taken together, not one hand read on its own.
4:47
